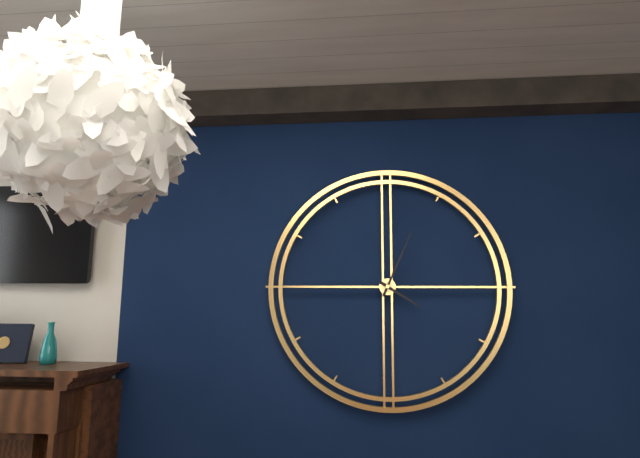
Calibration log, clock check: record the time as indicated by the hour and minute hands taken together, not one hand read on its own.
4:04
